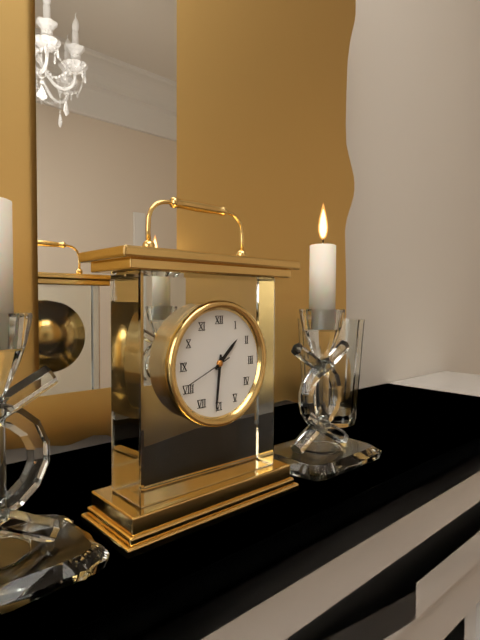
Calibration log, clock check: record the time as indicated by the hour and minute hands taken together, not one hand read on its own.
1:31
